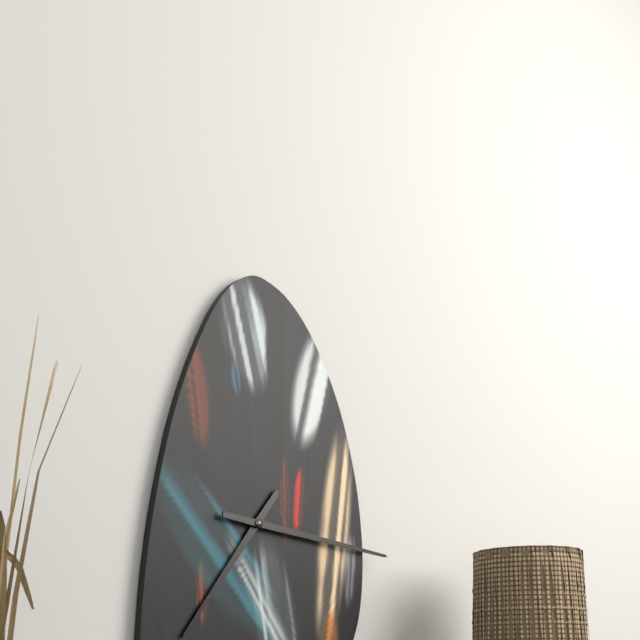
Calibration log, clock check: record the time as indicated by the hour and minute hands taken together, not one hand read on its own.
7:16
